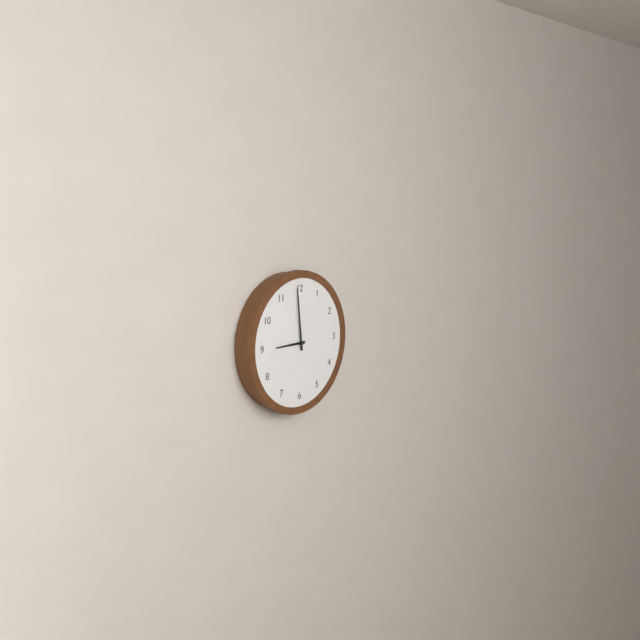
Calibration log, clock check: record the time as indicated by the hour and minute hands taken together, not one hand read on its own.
8:59
